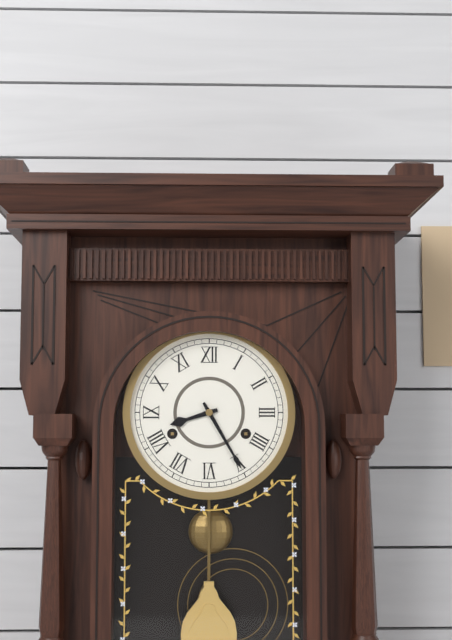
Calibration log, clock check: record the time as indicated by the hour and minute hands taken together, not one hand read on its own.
8:25
